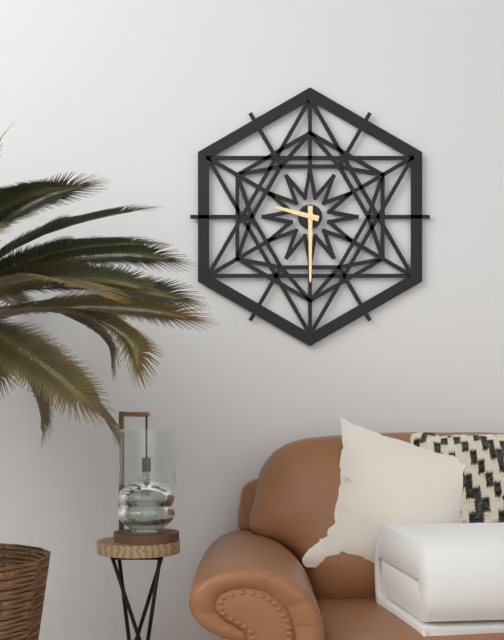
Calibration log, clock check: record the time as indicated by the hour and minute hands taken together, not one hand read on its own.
9:30
